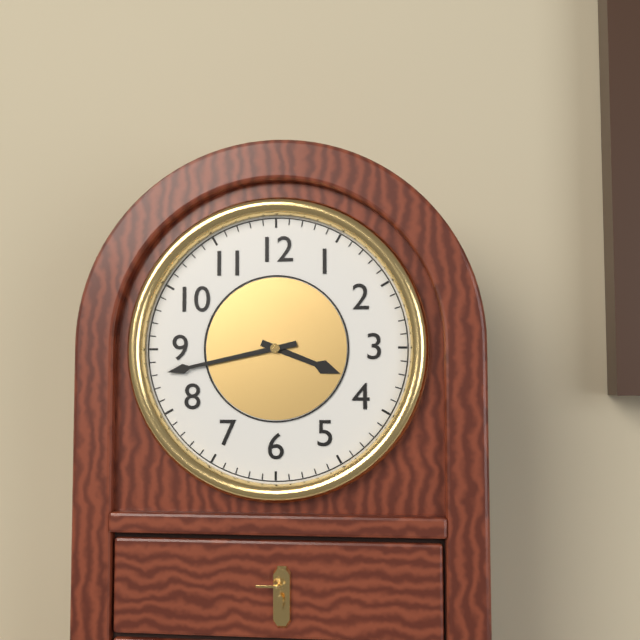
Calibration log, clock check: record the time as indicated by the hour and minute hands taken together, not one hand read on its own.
3:43
